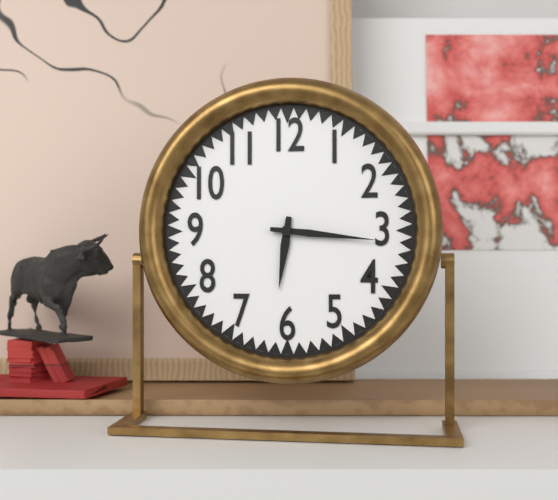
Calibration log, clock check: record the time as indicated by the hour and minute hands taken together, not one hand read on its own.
6:16
